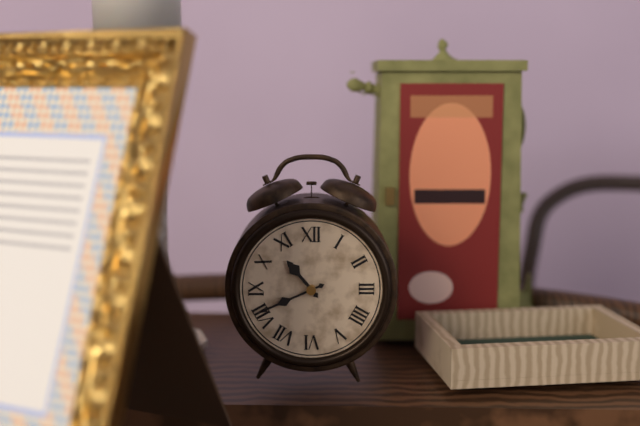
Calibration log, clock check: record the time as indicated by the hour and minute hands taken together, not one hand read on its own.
10:41
